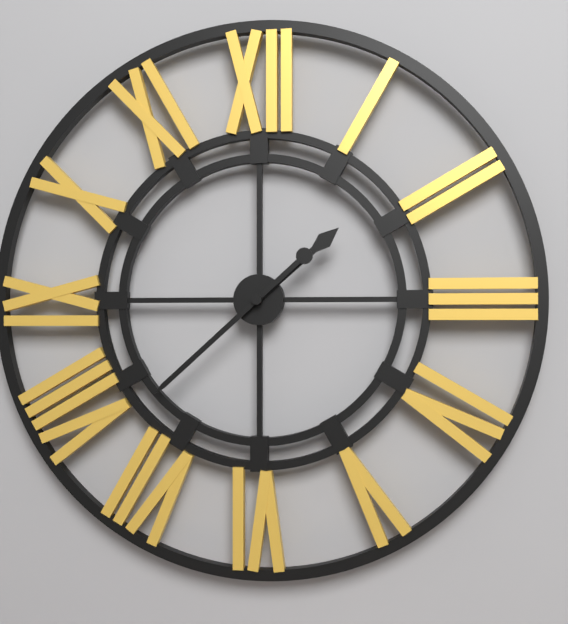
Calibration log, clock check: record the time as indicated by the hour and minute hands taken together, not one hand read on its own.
1:38
